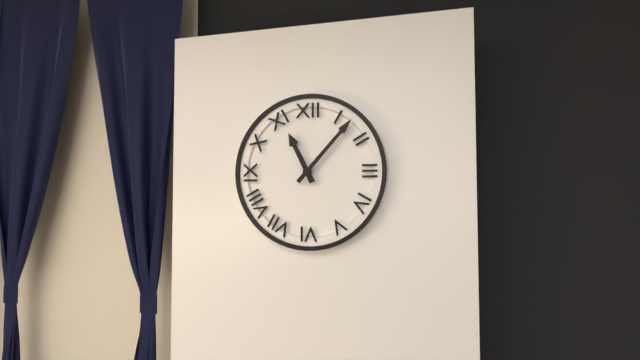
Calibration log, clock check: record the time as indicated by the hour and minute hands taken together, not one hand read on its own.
11:07
